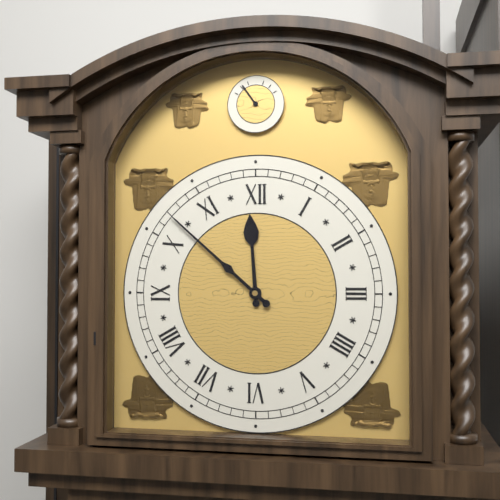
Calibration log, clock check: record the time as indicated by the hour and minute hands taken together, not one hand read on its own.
11:52
